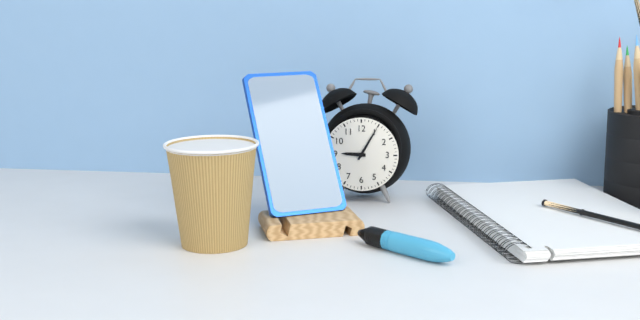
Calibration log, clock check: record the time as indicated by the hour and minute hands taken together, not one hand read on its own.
9:05
